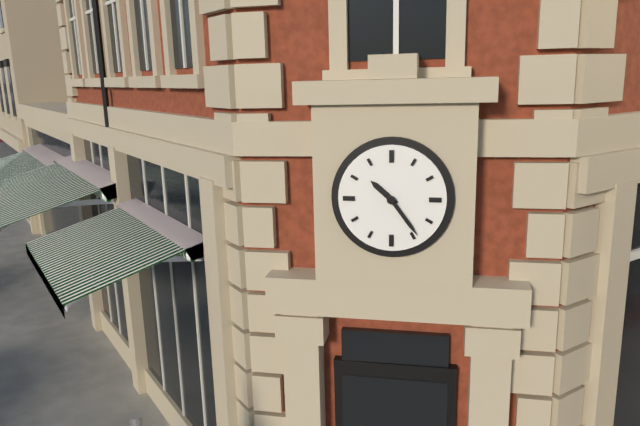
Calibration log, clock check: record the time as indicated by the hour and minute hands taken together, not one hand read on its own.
10:24
